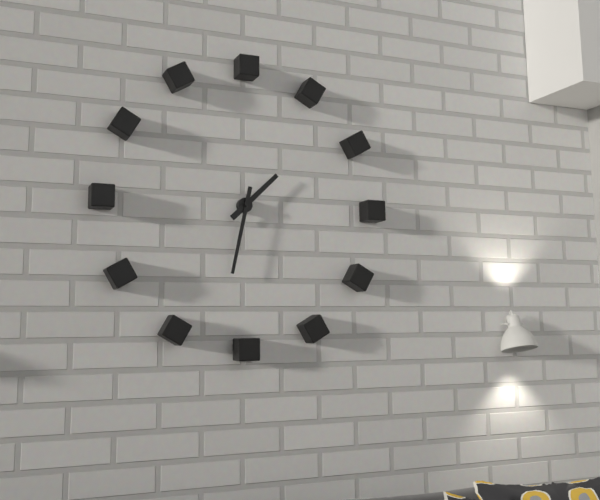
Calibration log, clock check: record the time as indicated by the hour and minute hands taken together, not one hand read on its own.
1:32
